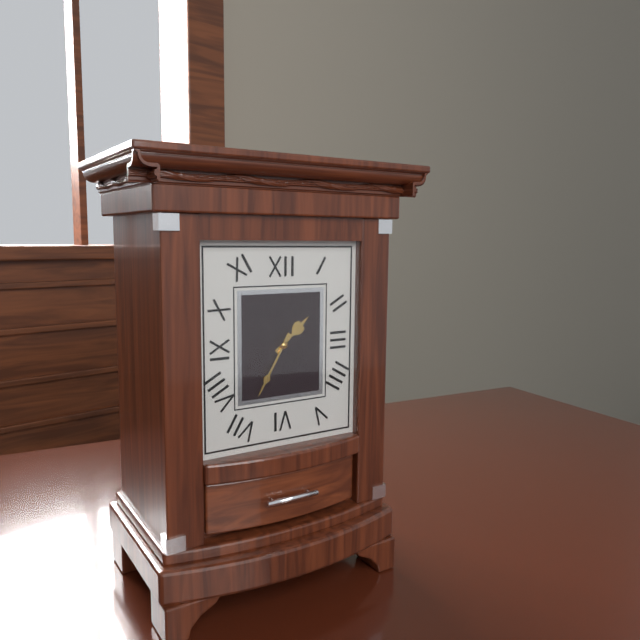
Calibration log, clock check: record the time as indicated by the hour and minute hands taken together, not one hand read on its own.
1:35
